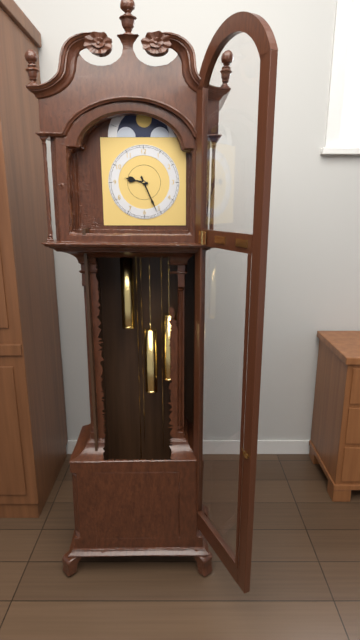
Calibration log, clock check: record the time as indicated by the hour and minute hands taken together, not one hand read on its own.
9:26
